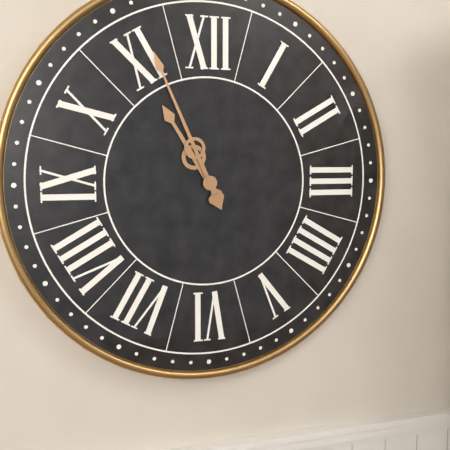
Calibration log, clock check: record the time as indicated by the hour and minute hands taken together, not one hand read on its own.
10:56
